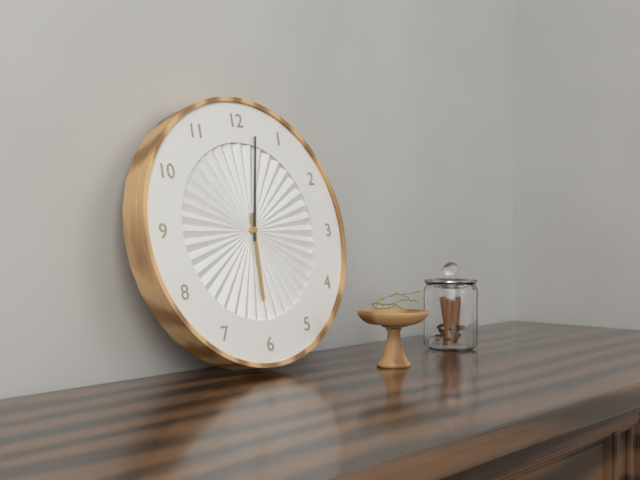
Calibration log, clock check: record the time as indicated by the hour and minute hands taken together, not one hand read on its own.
6:02
